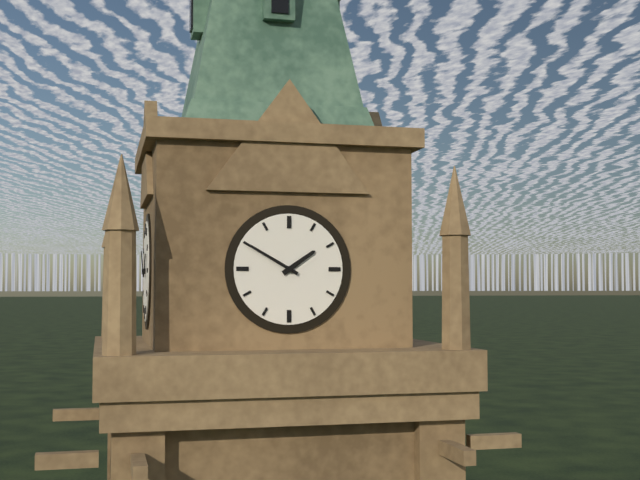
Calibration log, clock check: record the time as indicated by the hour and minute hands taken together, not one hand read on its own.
1:50
